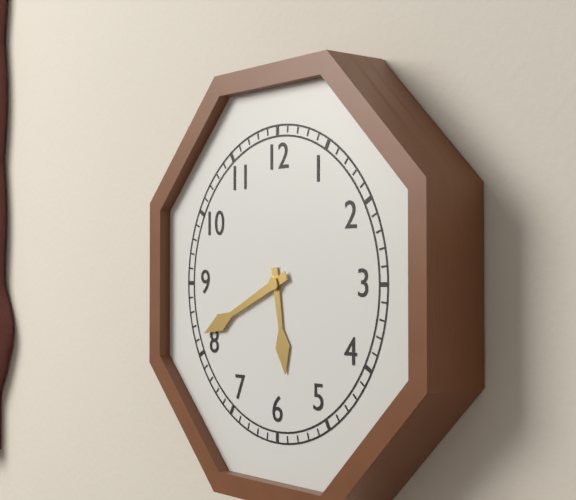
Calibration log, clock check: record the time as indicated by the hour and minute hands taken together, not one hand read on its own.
5:41
